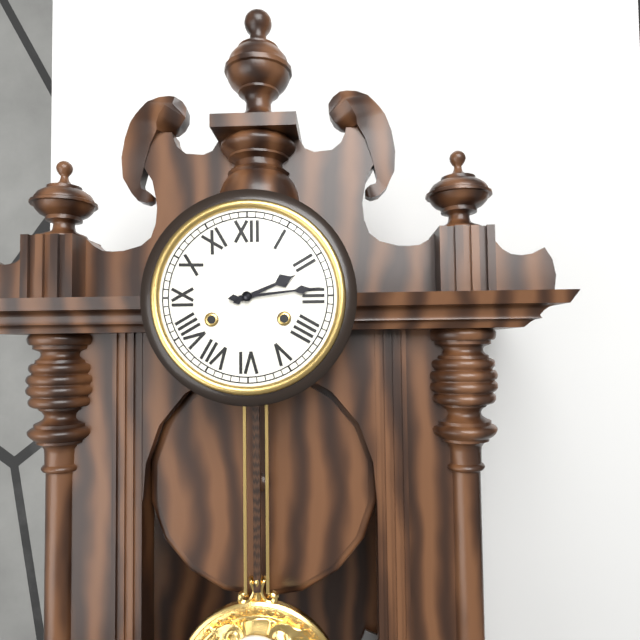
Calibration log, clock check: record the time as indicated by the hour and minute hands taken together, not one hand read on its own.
2:14
